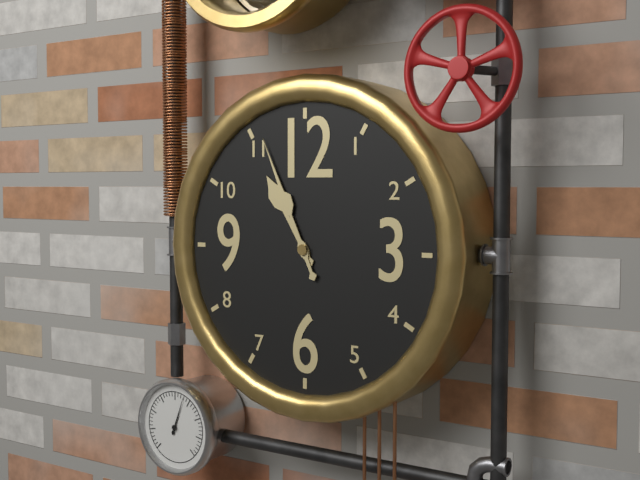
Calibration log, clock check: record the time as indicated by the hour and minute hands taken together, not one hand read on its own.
10:56
